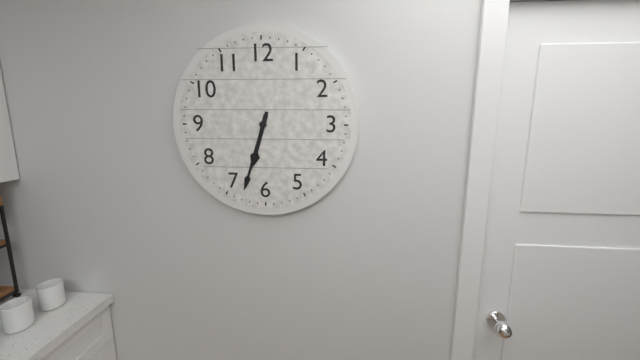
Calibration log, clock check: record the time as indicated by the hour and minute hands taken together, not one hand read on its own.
6:33
